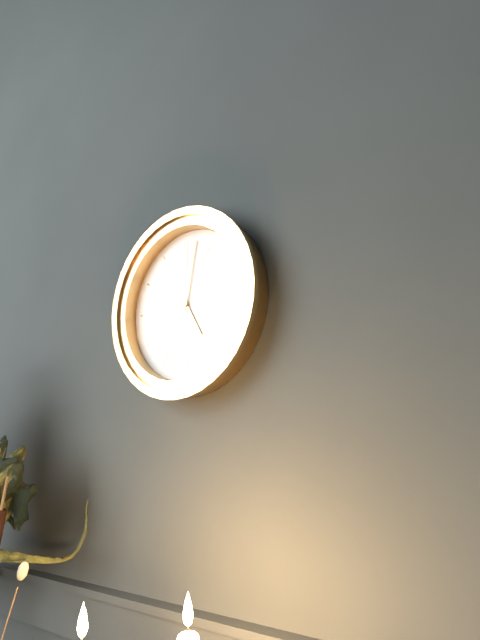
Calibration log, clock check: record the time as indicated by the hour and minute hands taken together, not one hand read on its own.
5:02
